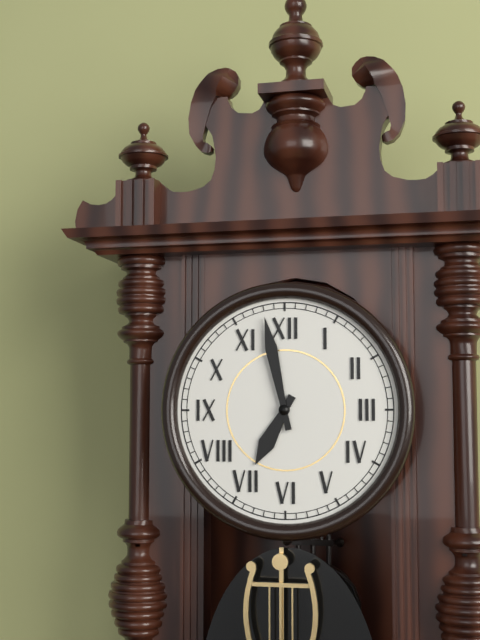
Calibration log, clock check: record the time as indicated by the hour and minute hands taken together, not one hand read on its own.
6:58
